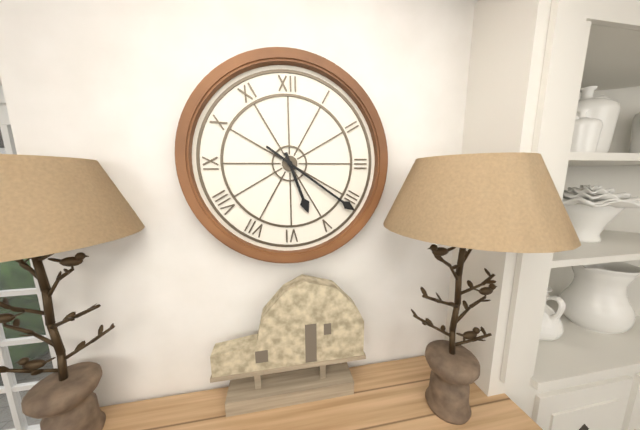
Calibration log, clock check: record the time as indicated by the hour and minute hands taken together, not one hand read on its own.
5:21
